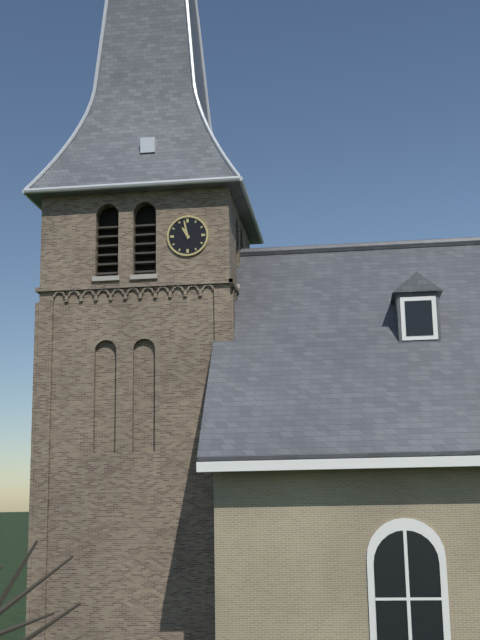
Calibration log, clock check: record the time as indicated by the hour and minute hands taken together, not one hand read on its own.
10:58
